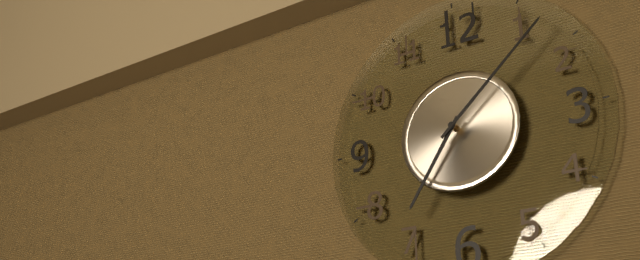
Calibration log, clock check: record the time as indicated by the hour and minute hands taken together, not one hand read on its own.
7:08
